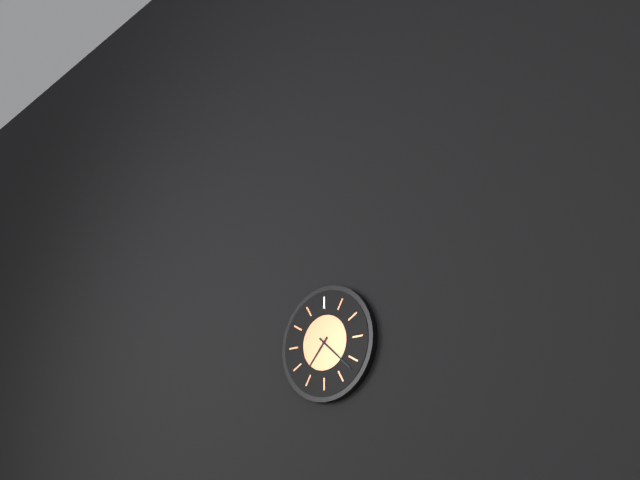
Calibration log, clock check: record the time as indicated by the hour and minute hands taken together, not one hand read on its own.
7:22
